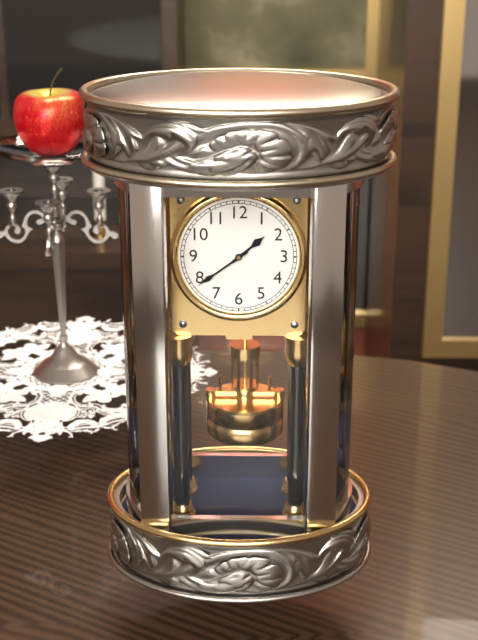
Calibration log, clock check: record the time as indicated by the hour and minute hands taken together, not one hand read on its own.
1:39
